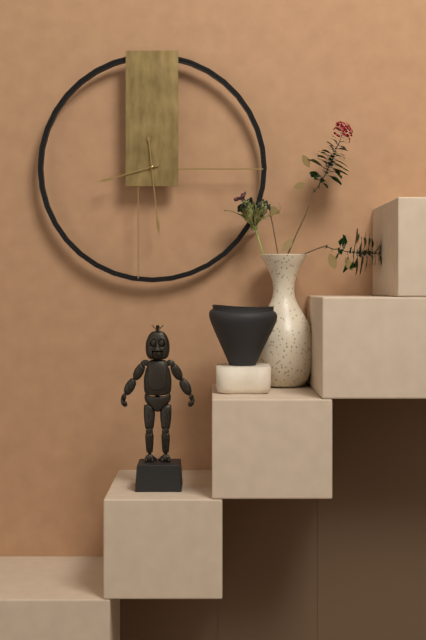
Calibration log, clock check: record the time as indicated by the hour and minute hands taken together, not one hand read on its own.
8:29
